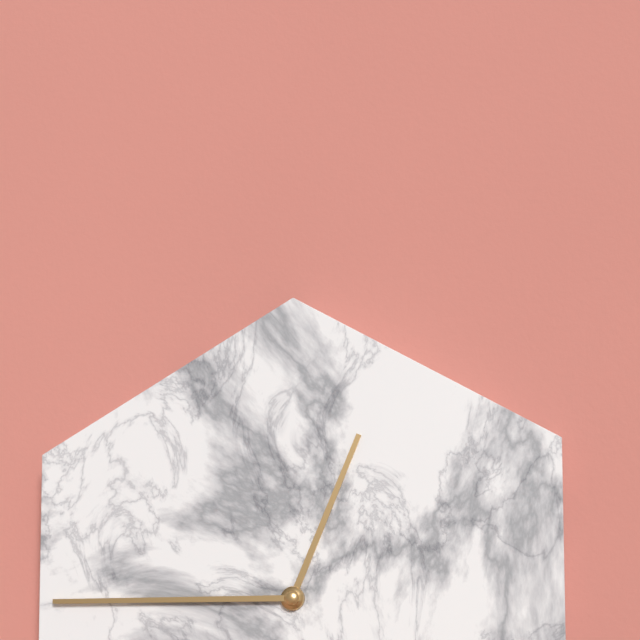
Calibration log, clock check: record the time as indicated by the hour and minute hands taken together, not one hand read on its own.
12:45
